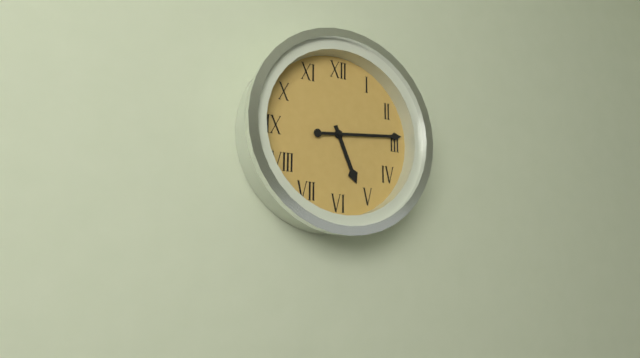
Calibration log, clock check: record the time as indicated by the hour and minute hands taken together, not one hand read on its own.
5:14
